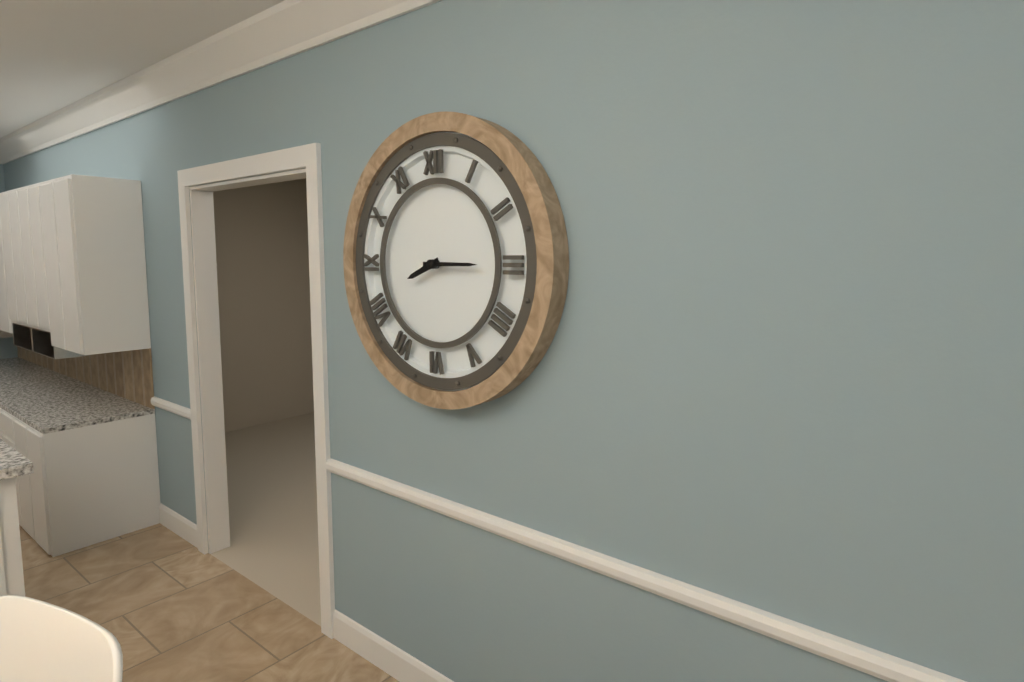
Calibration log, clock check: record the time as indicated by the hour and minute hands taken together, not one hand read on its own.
8:15
